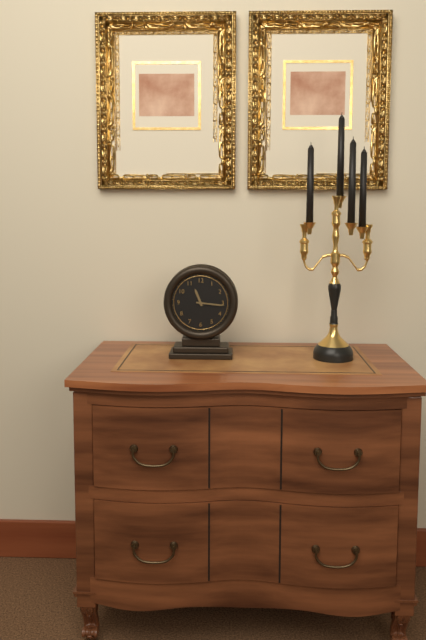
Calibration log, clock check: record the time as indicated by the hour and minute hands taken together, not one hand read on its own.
11:16
